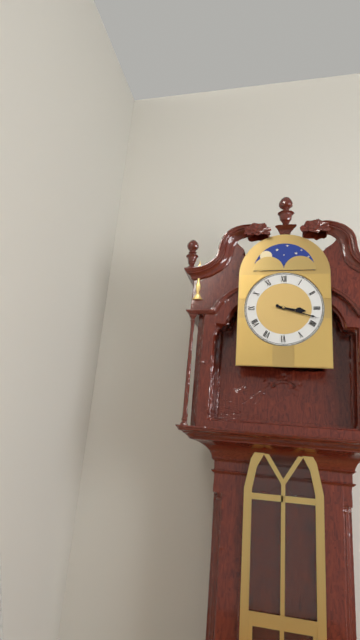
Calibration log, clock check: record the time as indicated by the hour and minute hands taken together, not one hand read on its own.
3:18
